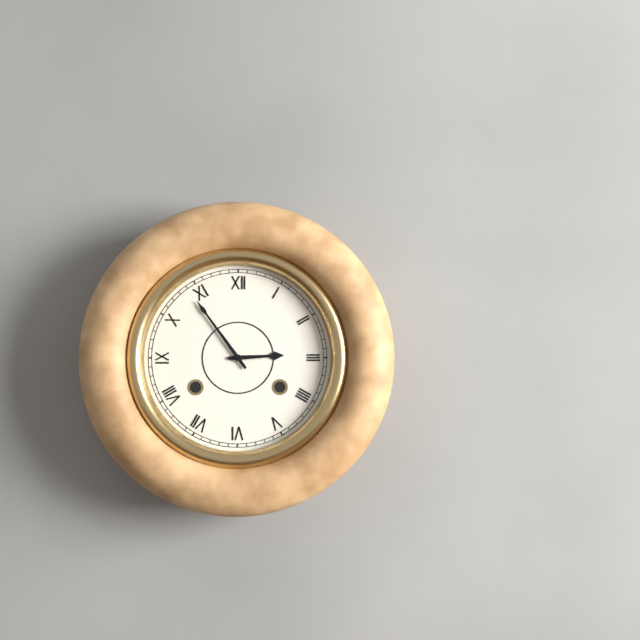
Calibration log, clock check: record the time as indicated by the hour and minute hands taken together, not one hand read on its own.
2:54
